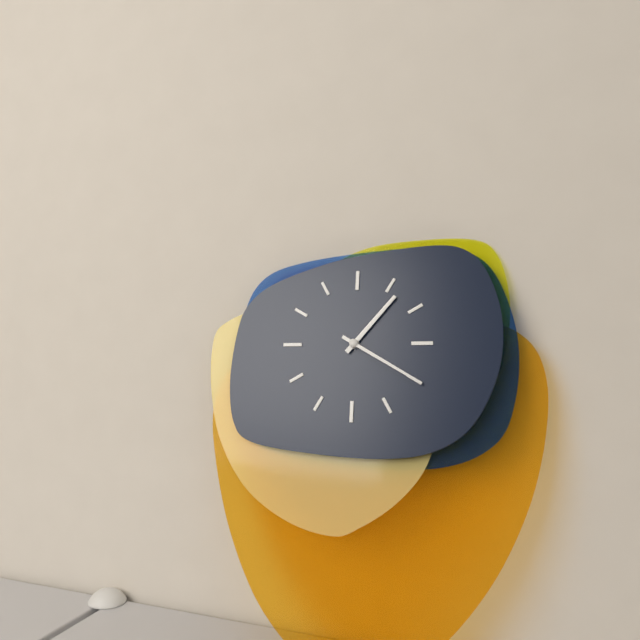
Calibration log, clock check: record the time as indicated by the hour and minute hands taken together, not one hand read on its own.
1:20
